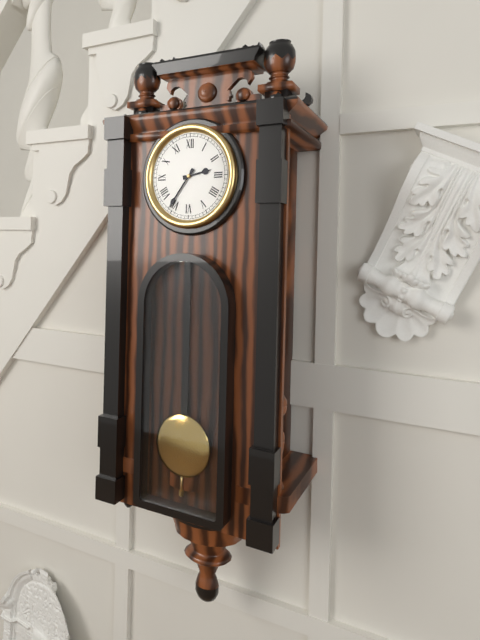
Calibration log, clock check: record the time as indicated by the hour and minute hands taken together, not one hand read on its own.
2:36
